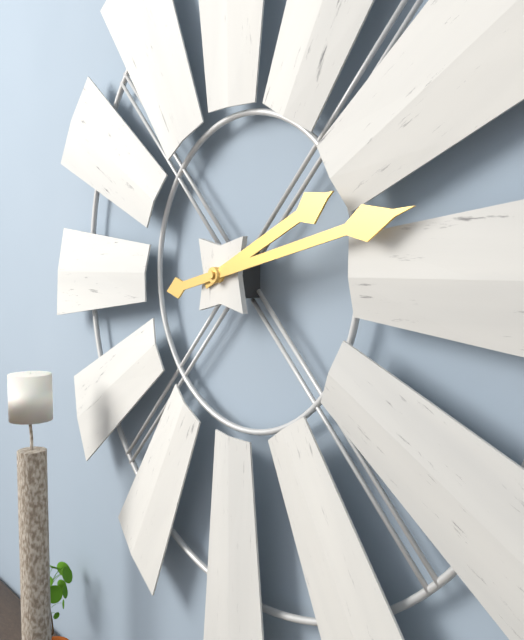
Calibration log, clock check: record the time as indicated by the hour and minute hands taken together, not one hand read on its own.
2:13
